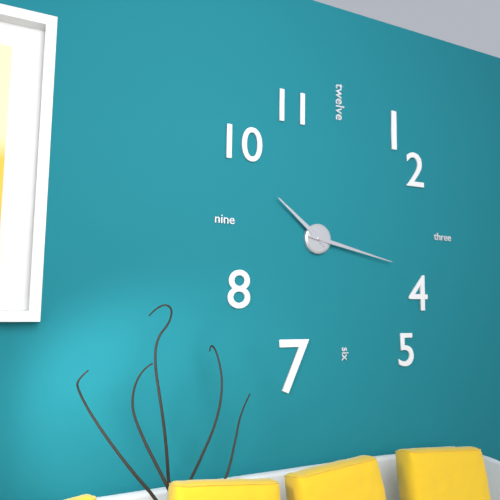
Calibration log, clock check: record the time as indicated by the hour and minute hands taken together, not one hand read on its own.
10:17
